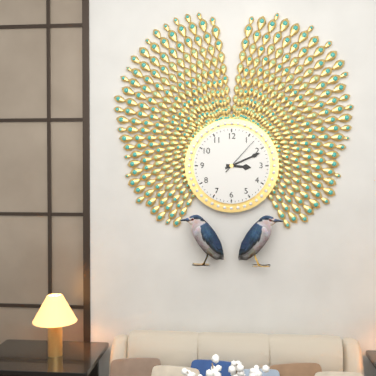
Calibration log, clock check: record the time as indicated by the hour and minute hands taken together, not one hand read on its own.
3:11
